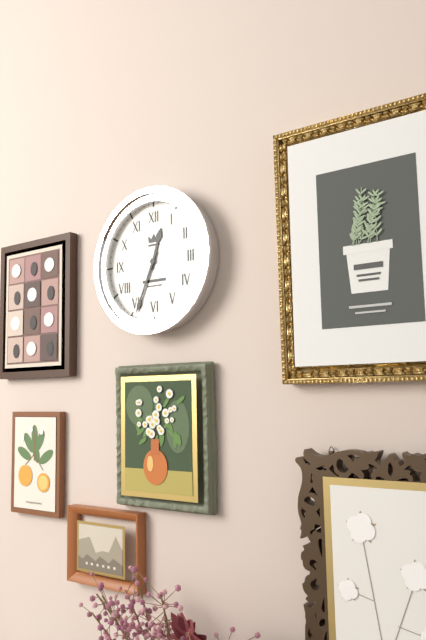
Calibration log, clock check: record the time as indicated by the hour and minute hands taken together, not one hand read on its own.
12:34
